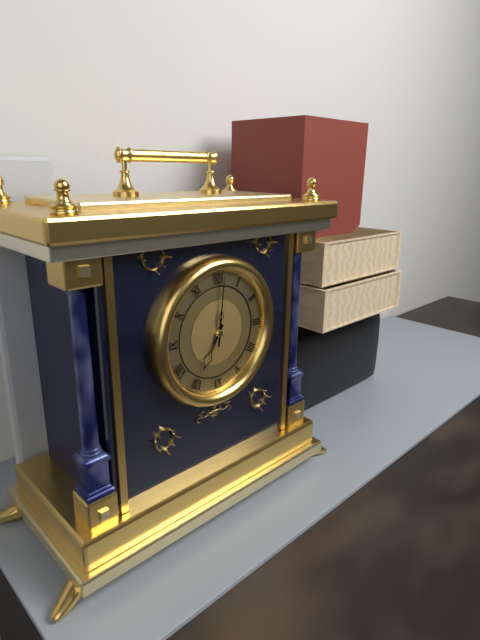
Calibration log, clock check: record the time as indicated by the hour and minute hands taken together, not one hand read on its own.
7:01
